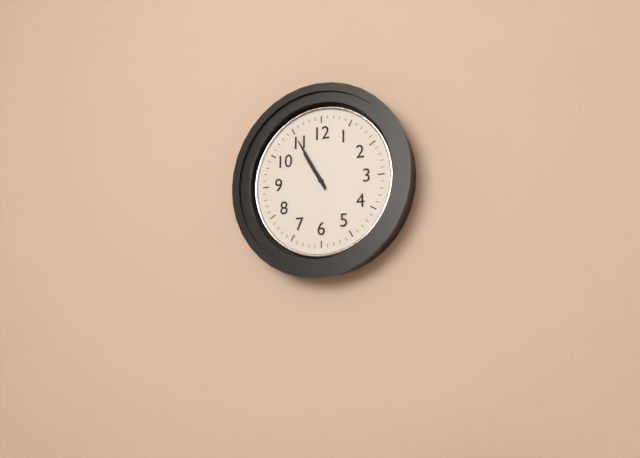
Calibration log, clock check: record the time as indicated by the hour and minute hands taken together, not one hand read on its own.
10:55
